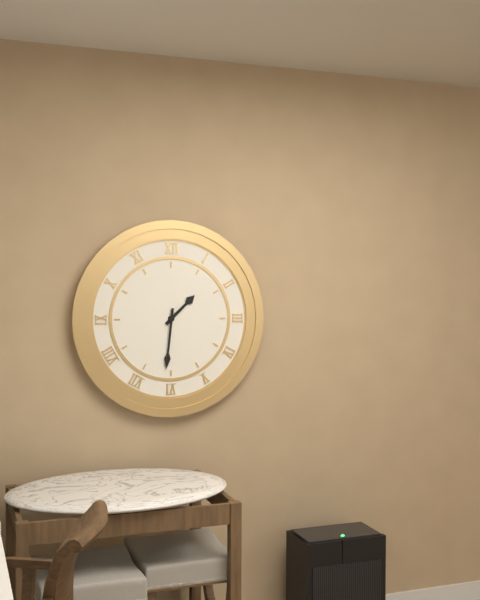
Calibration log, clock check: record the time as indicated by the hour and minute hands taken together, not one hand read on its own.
1:31
